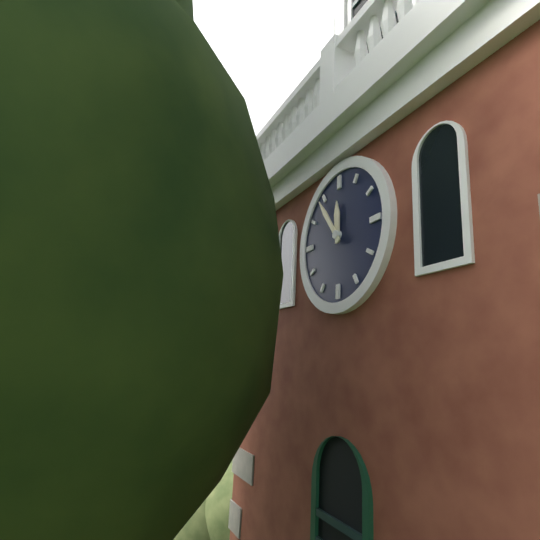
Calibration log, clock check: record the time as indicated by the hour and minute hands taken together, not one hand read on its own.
11:54
